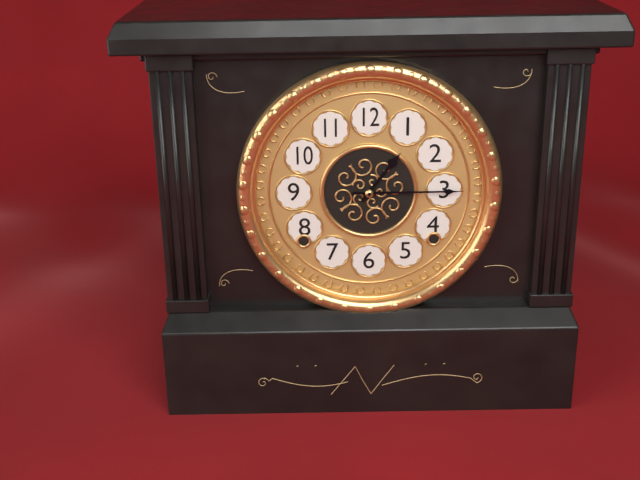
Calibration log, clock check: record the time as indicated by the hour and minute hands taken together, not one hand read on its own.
1:15
